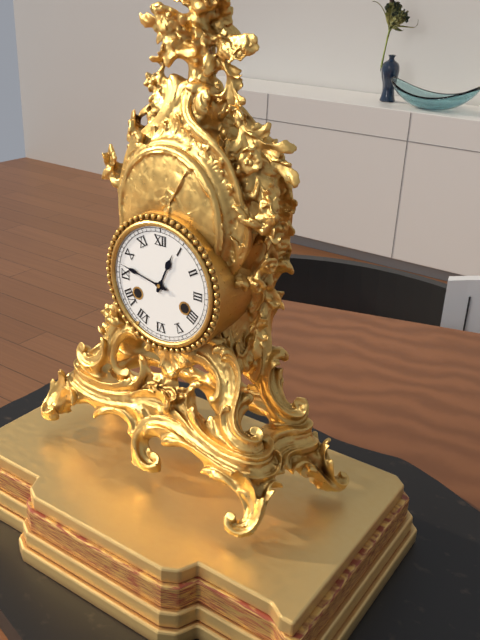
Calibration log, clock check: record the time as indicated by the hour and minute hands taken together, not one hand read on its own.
12:47
